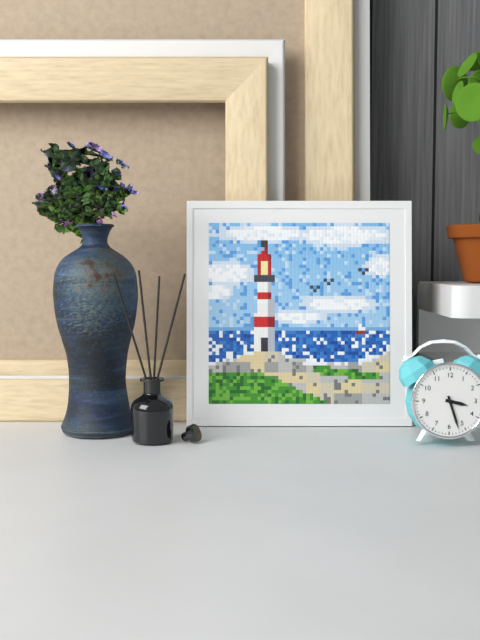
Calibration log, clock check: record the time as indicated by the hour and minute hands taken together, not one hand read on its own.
3:27
